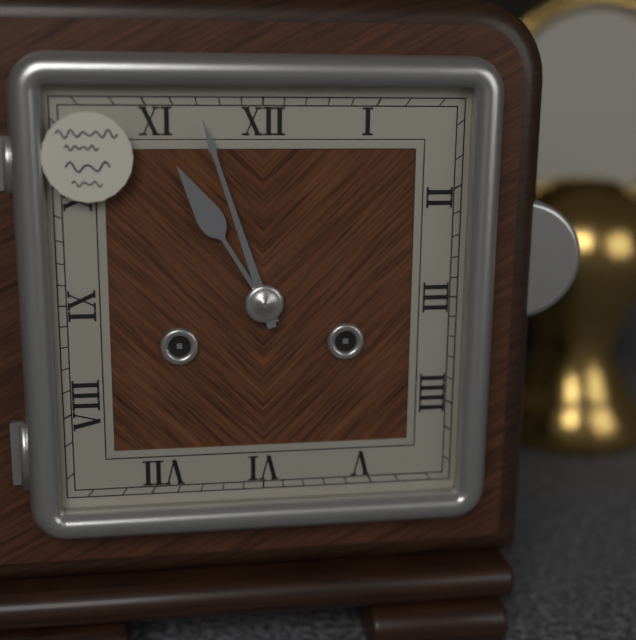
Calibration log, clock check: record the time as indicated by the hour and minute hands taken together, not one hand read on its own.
10:57
